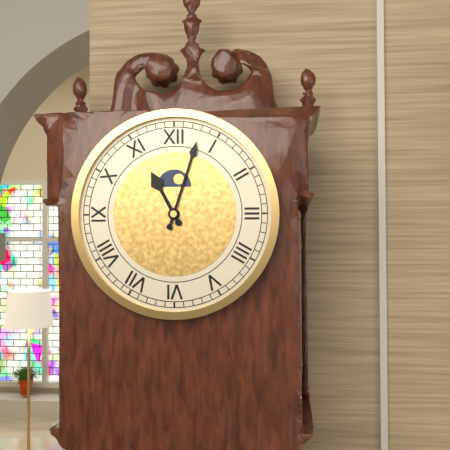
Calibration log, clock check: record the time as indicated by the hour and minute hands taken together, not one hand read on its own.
11:03
